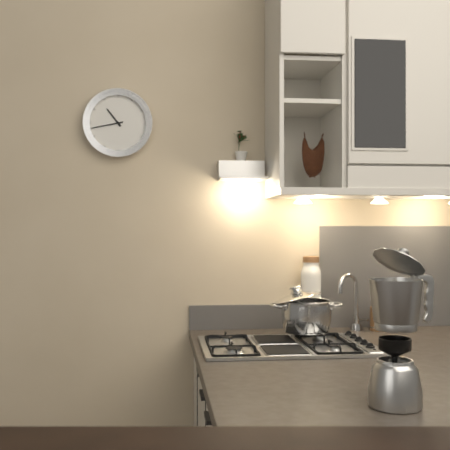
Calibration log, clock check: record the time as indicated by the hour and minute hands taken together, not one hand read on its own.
10:43
